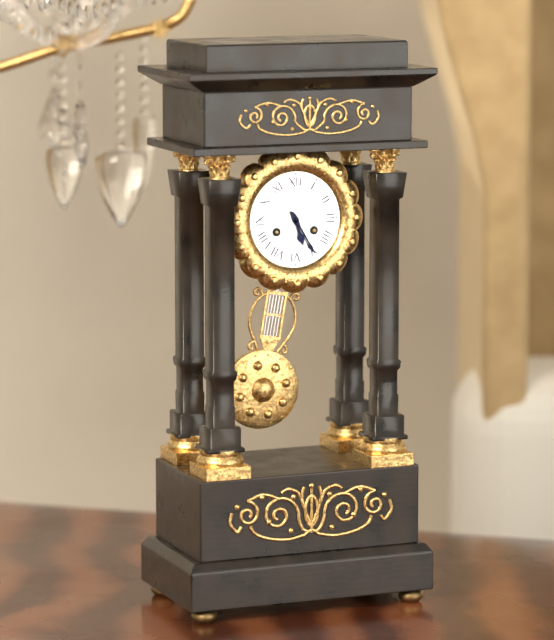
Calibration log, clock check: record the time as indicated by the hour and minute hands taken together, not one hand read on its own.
5:25
